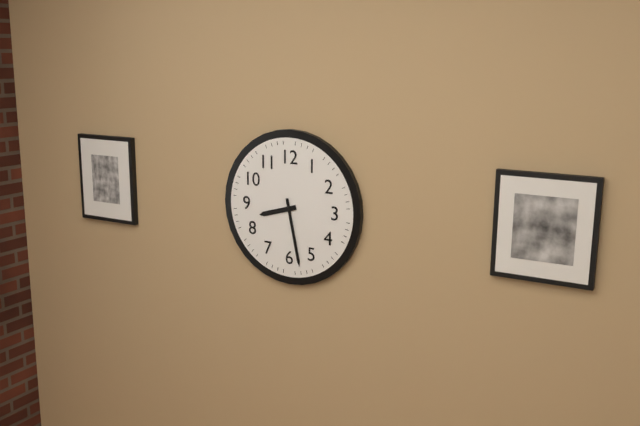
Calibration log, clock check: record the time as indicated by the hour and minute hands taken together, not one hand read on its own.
8:28
